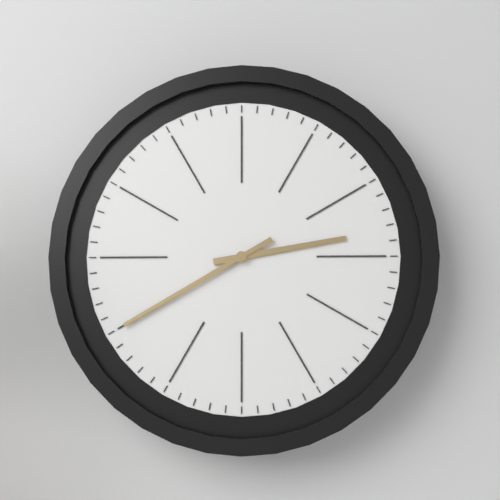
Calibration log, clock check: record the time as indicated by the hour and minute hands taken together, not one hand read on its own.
2:40
